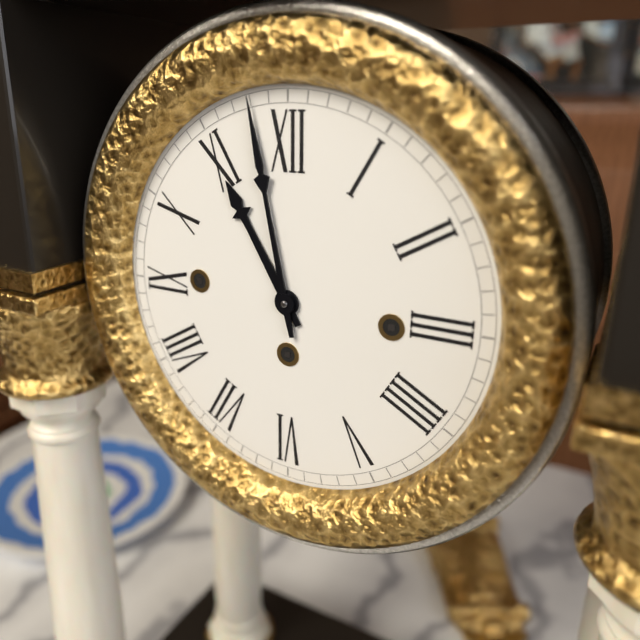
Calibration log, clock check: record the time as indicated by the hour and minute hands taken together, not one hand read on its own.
10:58
